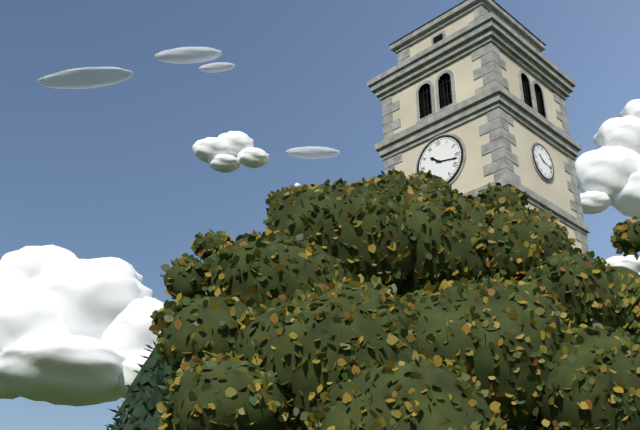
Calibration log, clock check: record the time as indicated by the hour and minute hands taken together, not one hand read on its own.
10:17
